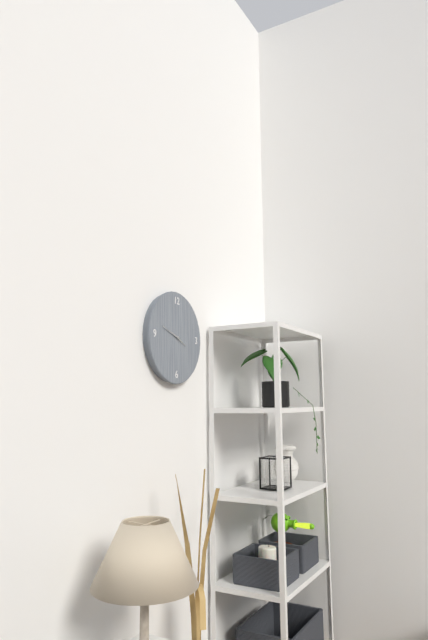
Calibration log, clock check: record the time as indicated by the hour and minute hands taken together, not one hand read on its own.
3:48
